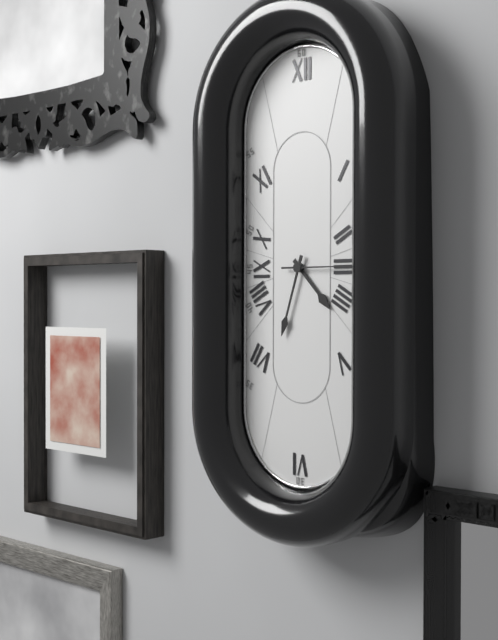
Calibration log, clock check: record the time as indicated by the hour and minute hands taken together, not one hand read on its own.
4:33
